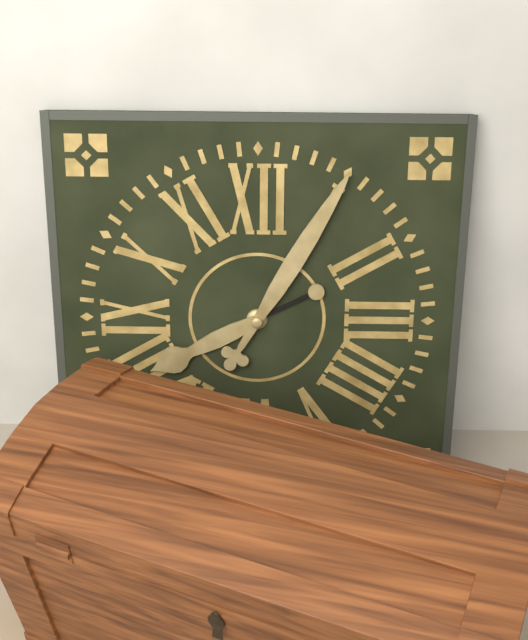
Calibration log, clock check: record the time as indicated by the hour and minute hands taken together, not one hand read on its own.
8:05
